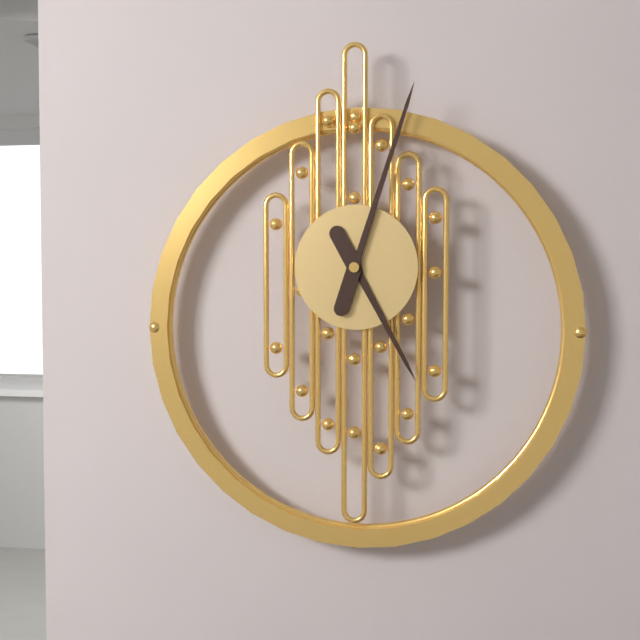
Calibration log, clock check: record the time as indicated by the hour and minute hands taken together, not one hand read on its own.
5:03
